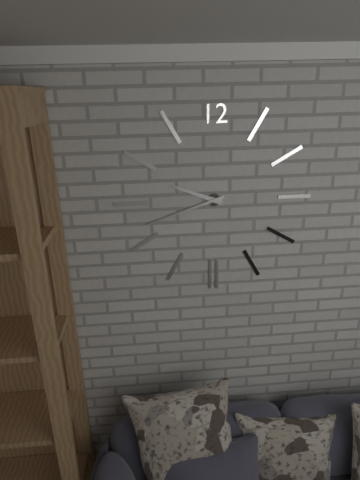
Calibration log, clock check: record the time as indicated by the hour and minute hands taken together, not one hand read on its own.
9:42
